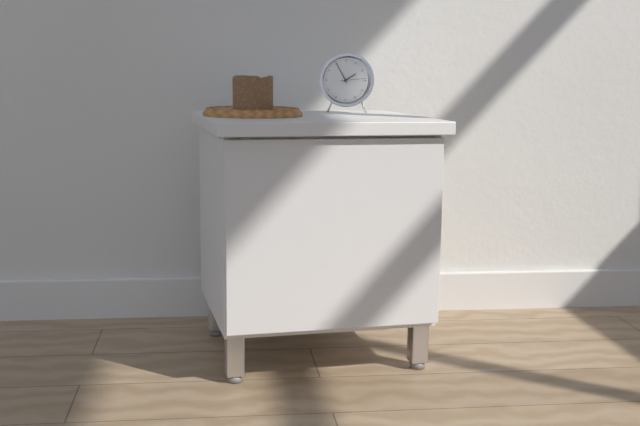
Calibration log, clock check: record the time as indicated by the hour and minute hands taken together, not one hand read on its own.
1:55
